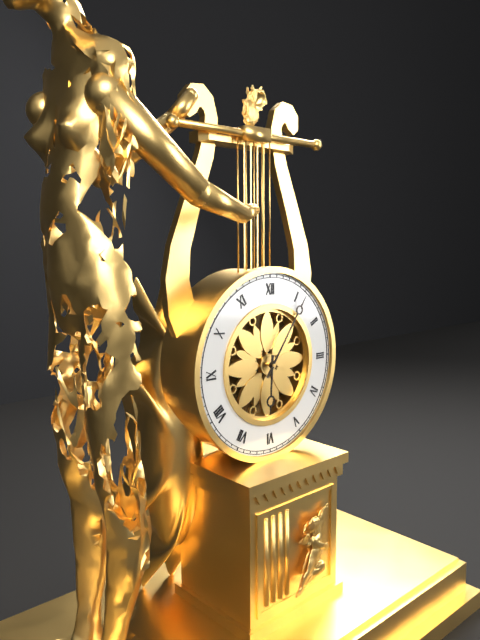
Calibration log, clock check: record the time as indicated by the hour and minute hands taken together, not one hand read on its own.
6:06
